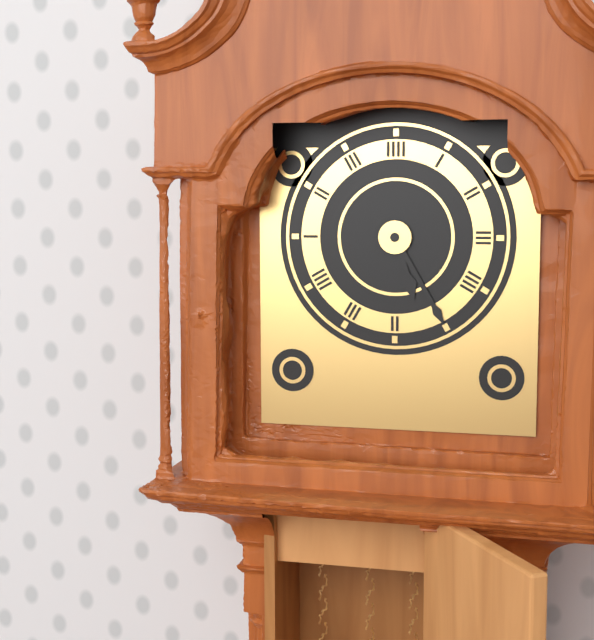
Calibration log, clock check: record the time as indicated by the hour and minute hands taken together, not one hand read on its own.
5:25
